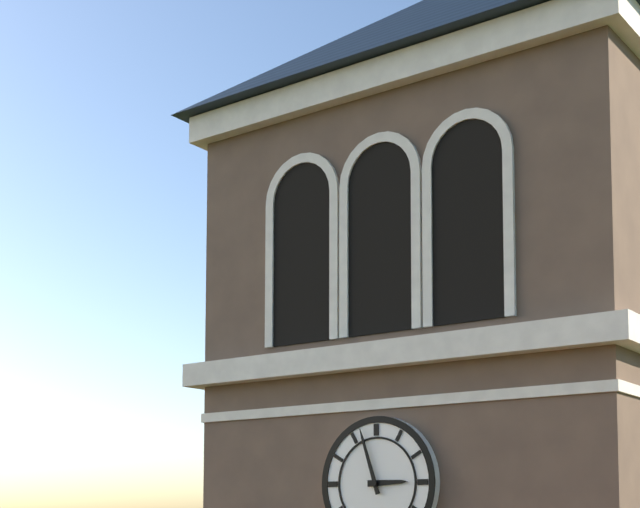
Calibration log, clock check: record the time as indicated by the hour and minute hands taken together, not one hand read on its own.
2:57
